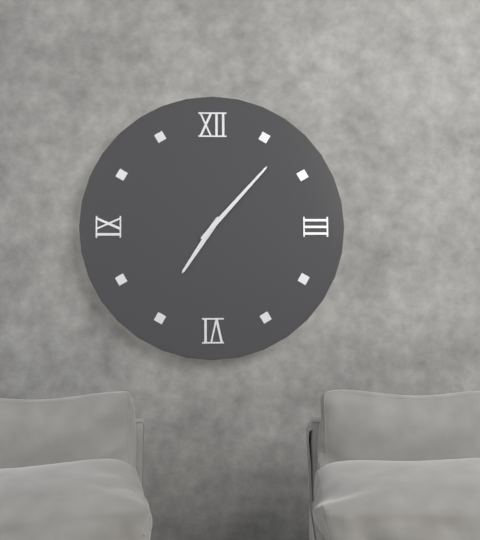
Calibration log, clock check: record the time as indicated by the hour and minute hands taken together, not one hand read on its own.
7:07
